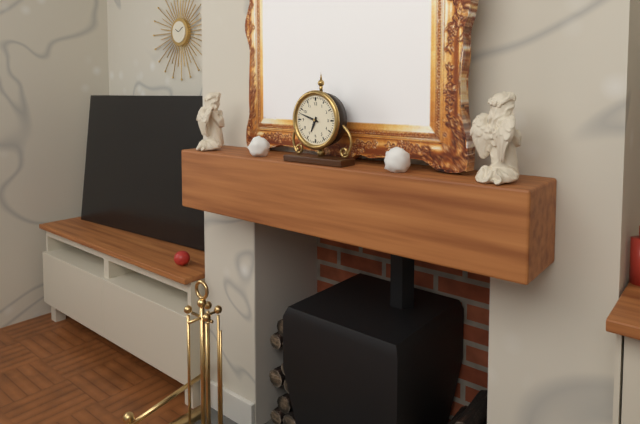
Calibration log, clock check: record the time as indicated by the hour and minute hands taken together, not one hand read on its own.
6:48
